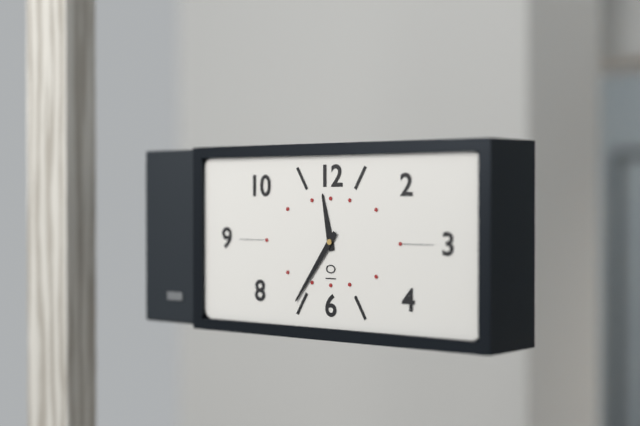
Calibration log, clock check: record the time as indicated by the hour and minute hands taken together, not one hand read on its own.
11:36
